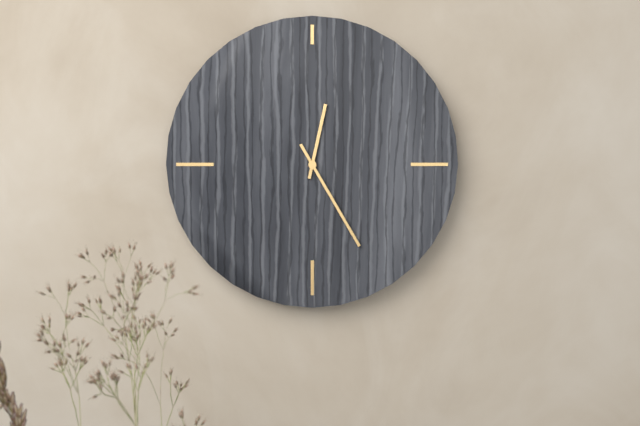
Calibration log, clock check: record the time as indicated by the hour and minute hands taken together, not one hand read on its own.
12:25
